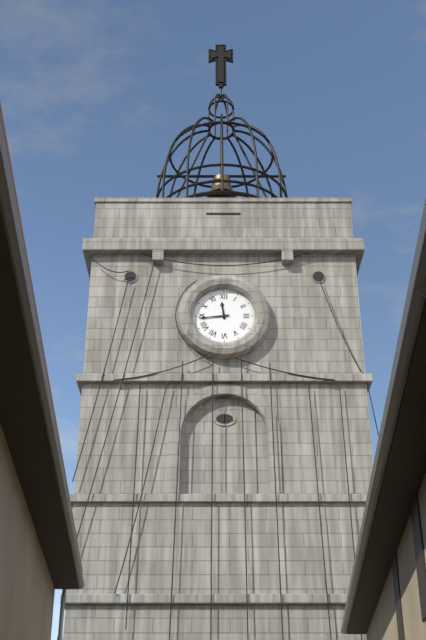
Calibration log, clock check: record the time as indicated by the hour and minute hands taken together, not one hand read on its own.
11:44
